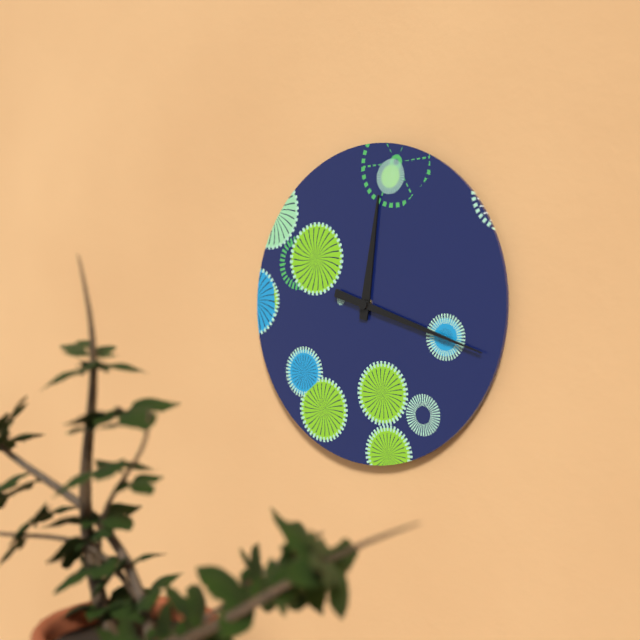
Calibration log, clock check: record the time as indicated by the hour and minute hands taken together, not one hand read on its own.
12:18
